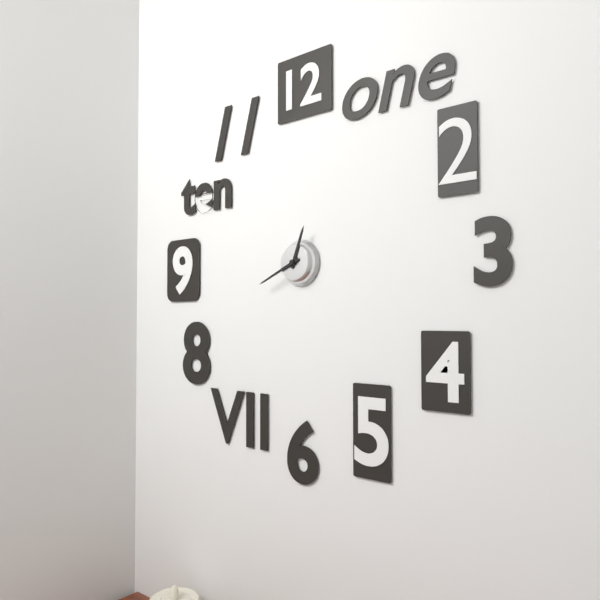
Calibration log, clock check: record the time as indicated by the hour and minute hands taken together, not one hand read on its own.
12:41
